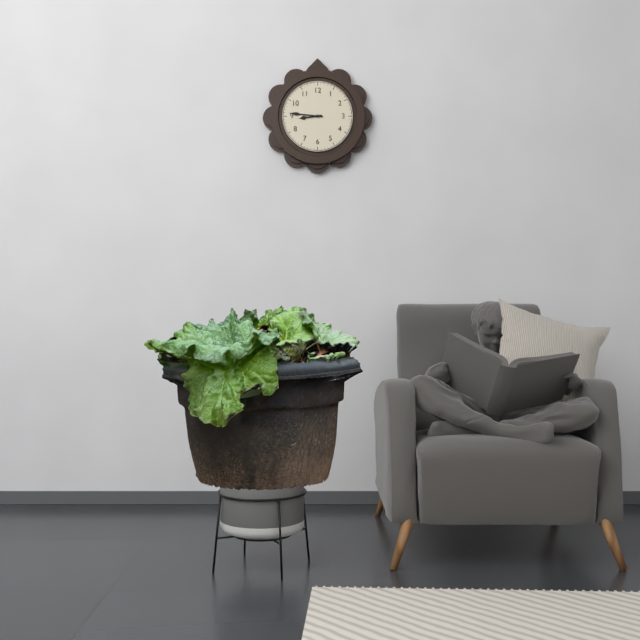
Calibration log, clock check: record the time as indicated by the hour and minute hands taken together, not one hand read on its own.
8:46
